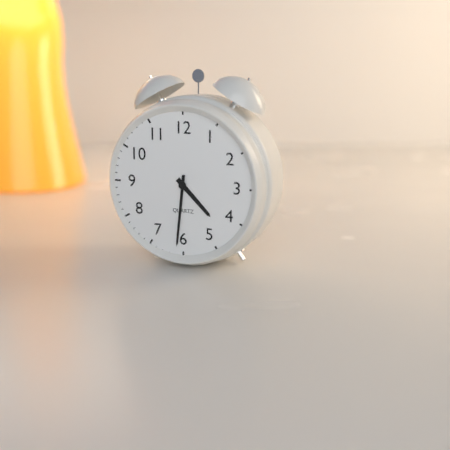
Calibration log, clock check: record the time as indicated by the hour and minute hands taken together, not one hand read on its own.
4:31
